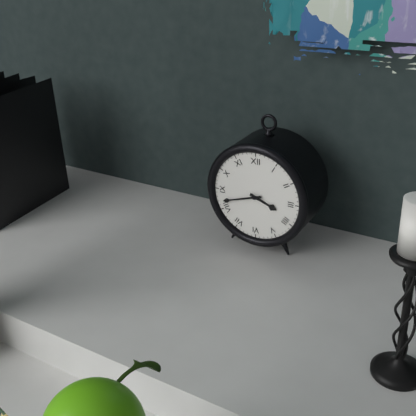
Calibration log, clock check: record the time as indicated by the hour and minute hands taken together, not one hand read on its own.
3:42
